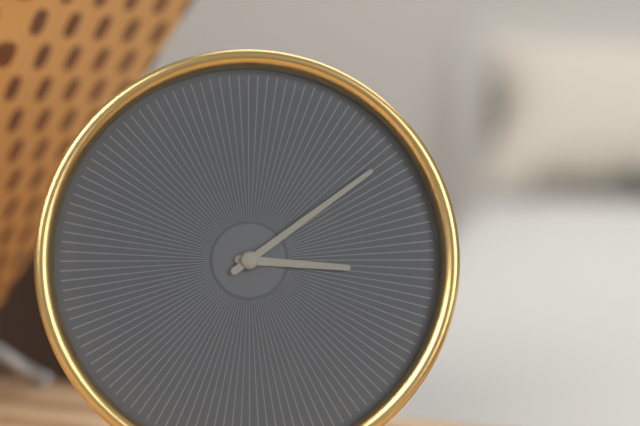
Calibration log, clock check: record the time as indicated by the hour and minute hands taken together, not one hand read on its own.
3:09
